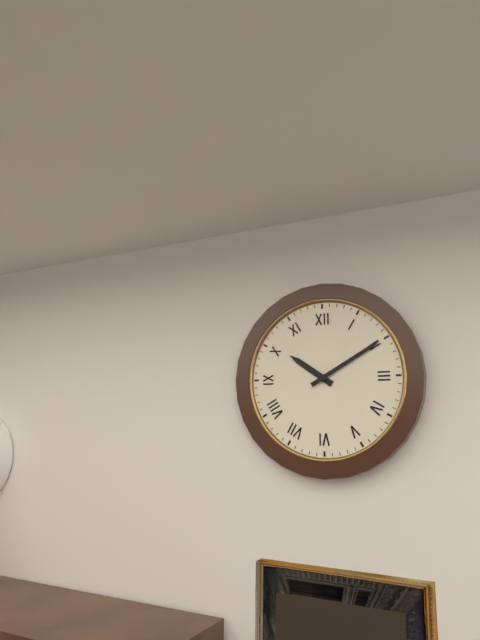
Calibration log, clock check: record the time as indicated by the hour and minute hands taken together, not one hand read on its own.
10:10
